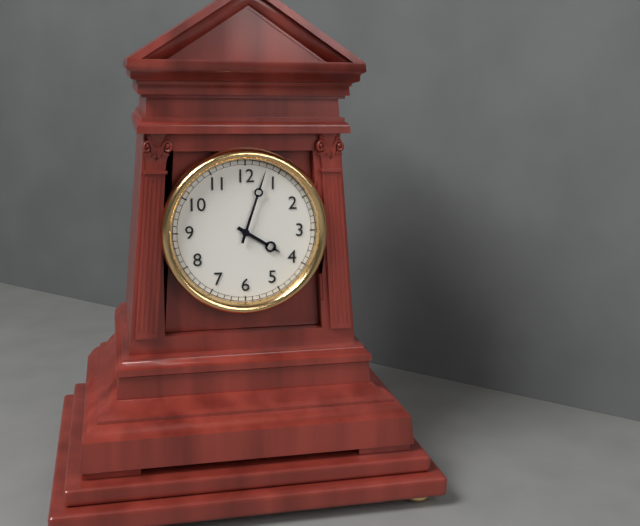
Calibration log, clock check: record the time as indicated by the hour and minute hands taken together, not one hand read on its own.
4:03
